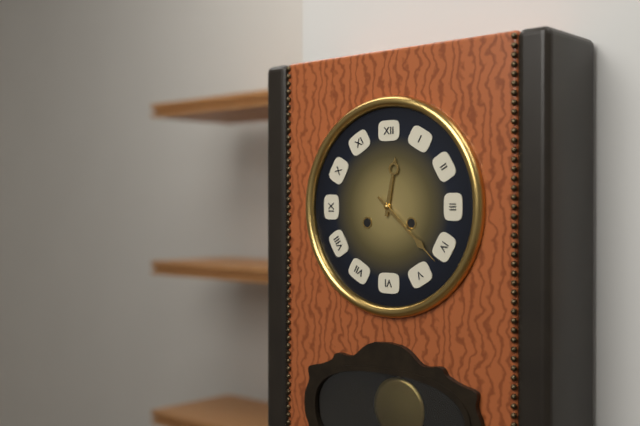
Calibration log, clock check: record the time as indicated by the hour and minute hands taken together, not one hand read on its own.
12:22
